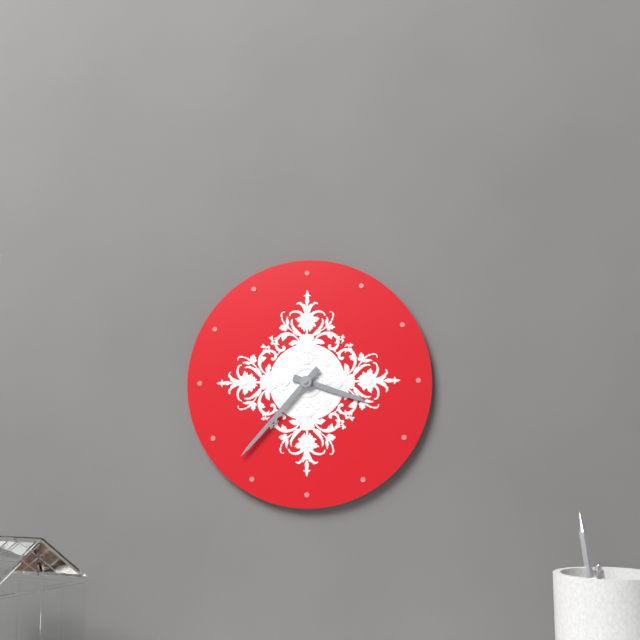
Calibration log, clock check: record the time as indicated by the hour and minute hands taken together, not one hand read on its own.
3:37
